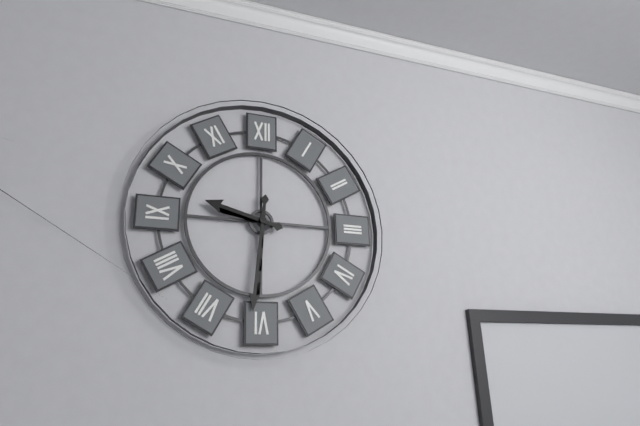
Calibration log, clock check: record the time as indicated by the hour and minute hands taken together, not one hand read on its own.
9:31
